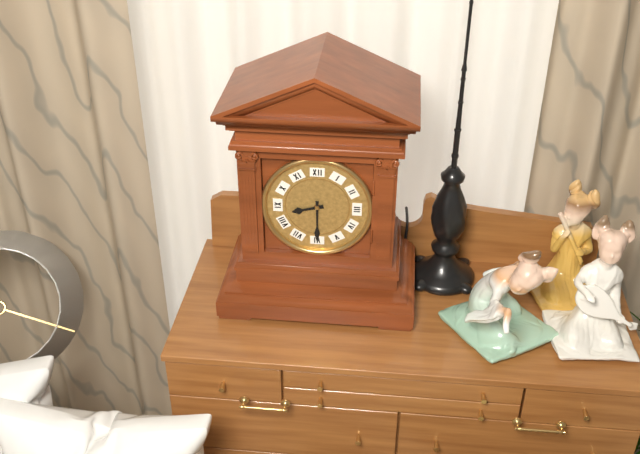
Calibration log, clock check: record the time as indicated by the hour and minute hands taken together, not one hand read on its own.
8:30
